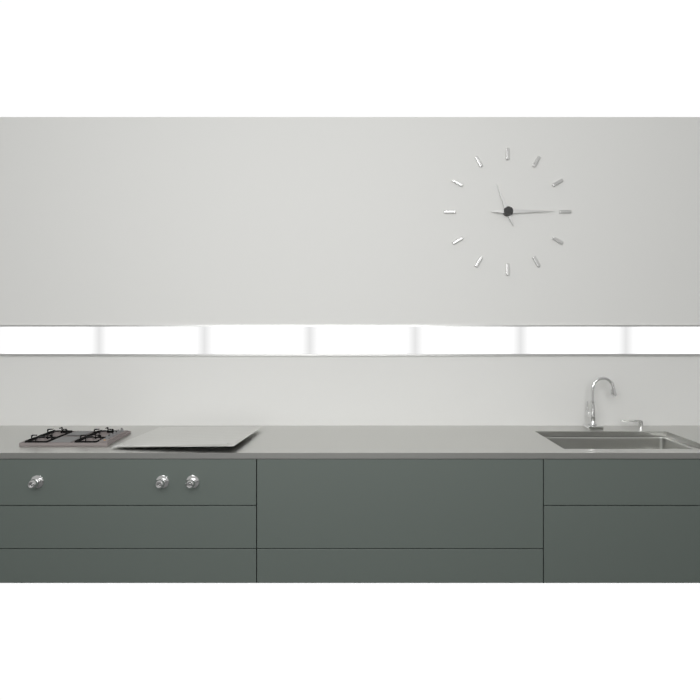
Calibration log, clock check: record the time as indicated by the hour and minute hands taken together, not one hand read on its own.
11:15
